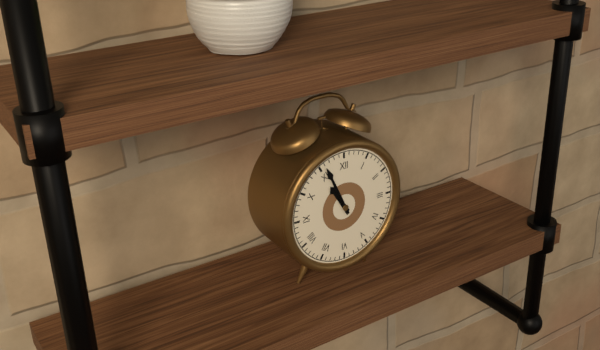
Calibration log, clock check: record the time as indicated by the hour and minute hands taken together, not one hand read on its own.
10:56
